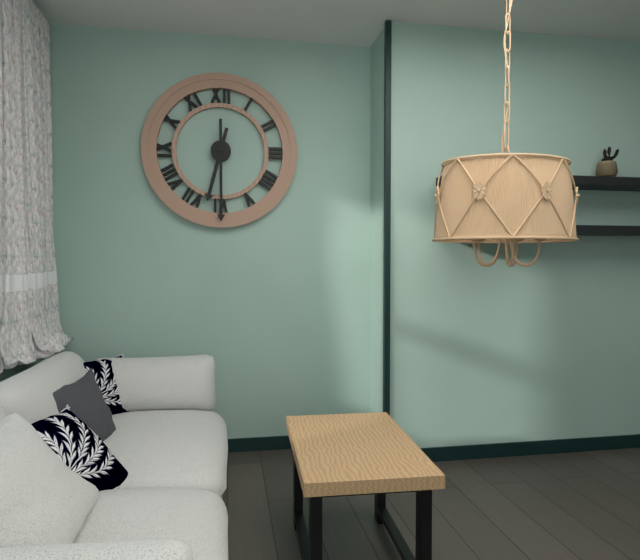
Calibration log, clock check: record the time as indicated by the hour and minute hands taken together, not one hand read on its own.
6:30
